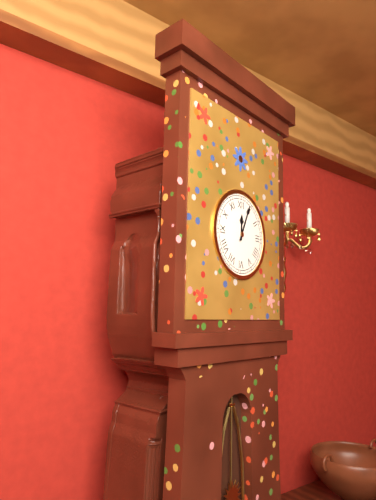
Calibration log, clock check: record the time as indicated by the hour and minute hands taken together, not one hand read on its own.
12:04
